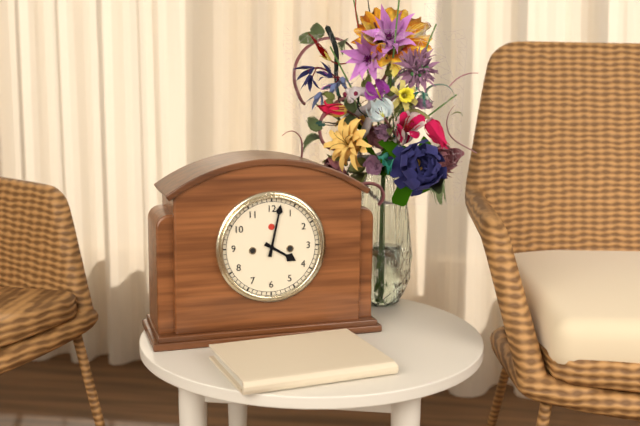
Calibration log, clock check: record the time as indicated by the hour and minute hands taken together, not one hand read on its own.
4:02
